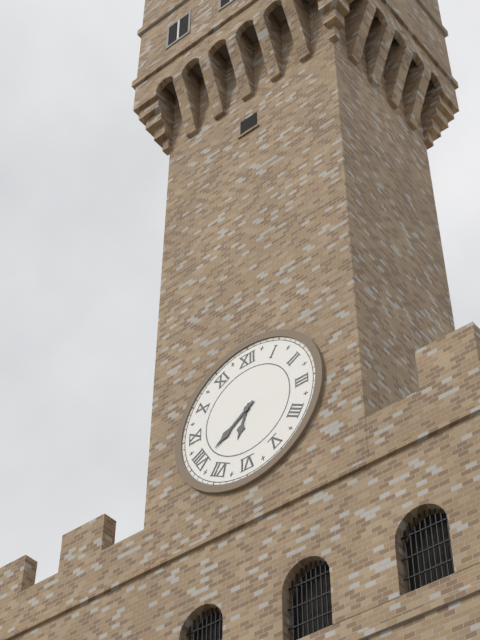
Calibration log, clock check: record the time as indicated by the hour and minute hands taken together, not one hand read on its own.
6:39
